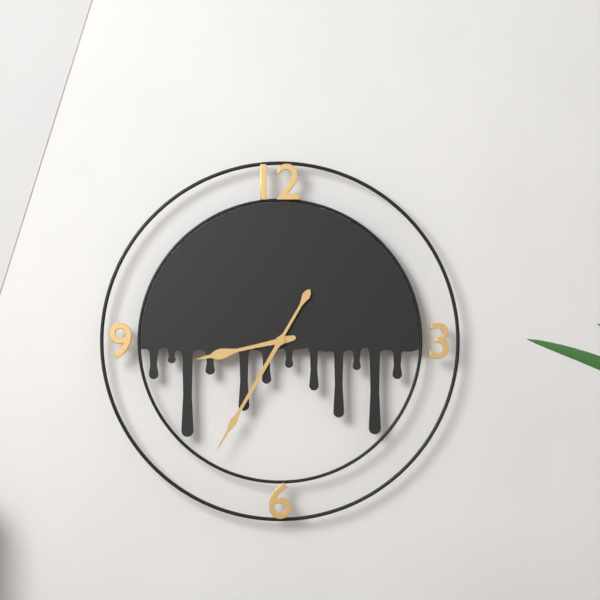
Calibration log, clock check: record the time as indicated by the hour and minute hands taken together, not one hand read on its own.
8:35
